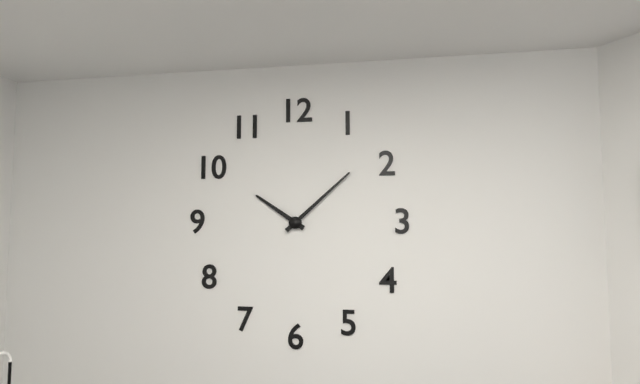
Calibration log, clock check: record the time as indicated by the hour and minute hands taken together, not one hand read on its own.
10:08
